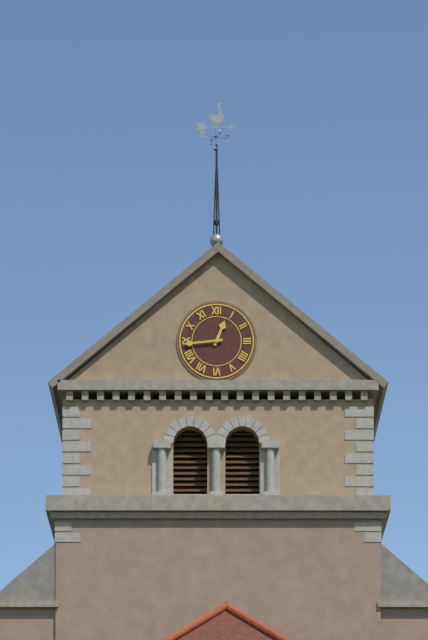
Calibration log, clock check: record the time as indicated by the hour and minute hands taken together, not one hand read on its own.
12:44
